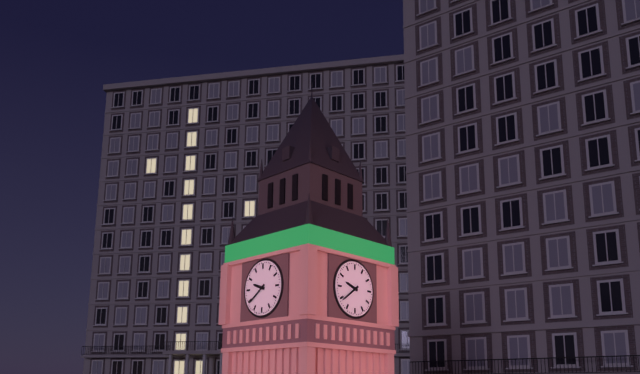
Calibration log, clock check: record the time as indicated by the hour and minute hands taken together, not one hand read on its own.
9:39
